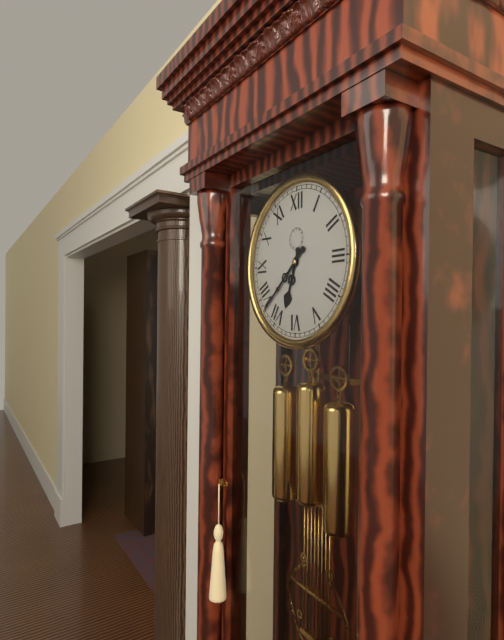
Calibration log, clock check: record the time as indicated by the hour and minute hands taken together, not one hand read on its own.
6:38
